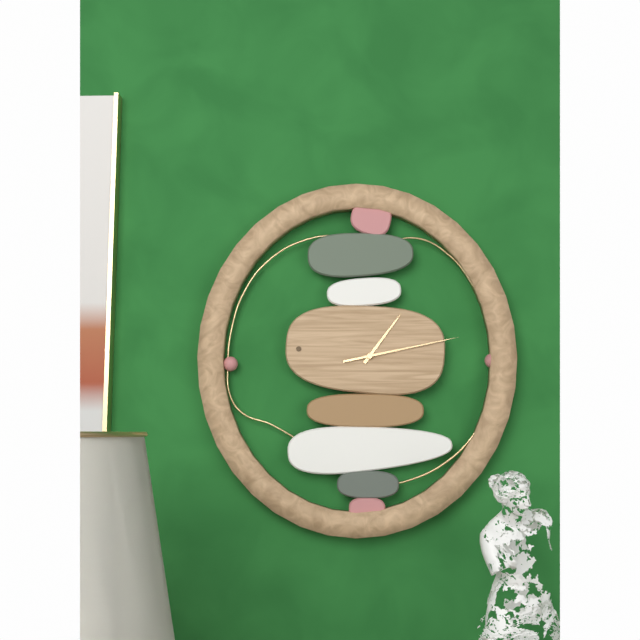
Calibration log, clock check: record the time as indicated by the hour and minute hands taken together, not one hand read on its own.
1:13
